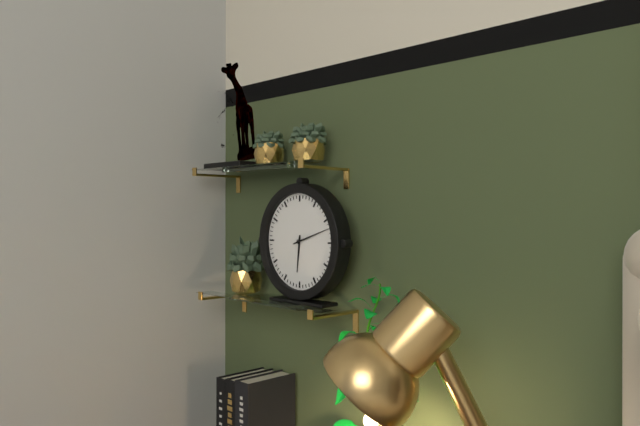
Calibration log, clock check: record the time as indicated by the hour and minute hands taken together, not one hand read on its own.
6:12
